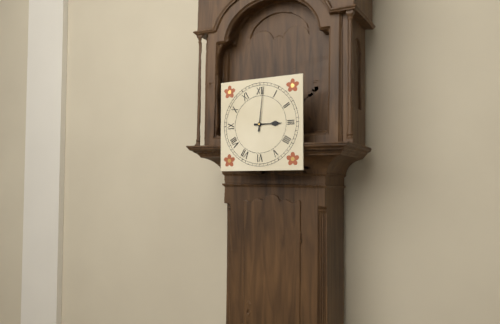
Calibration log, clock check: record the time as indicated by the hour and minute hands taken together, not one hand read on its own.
3:01
